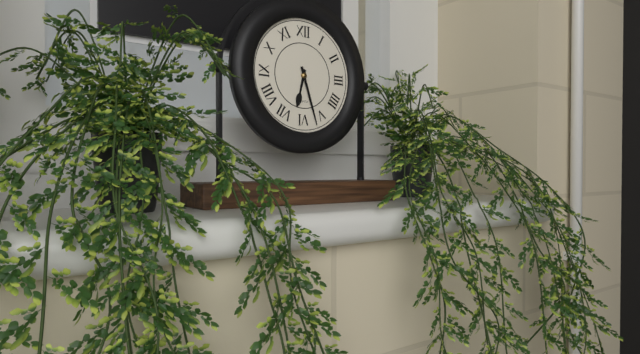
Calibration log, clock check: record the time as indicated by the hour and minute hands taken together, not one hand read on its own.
6:27
